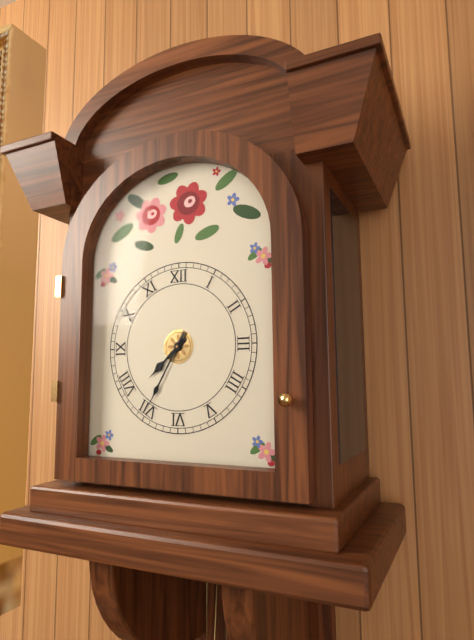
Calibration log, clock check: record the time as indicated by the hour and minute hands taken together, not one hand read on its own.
7:35
